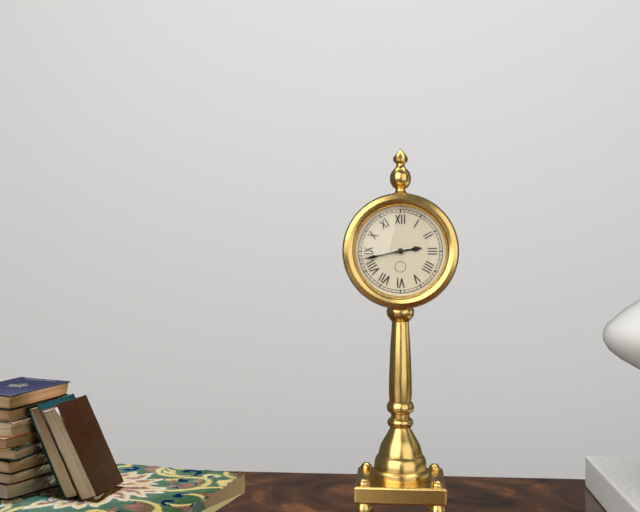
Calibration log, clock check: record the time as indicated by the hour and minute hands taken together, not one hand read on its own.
2:43
